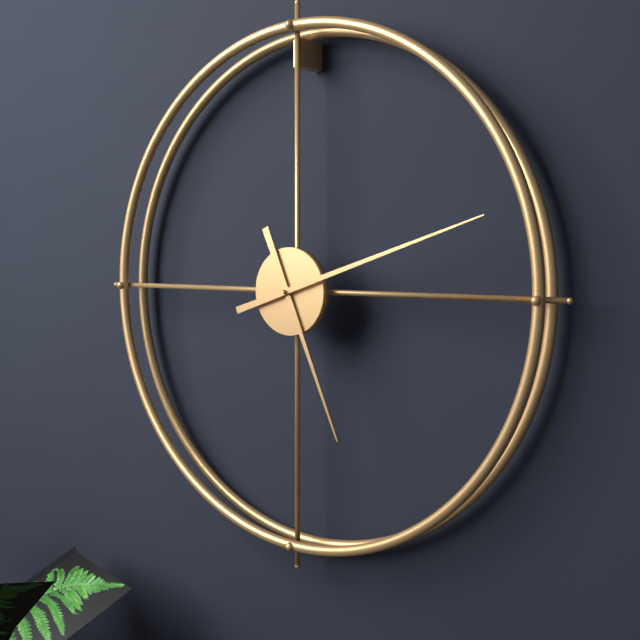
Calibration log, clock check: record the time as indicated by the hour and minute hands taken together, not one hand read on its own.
5:12
